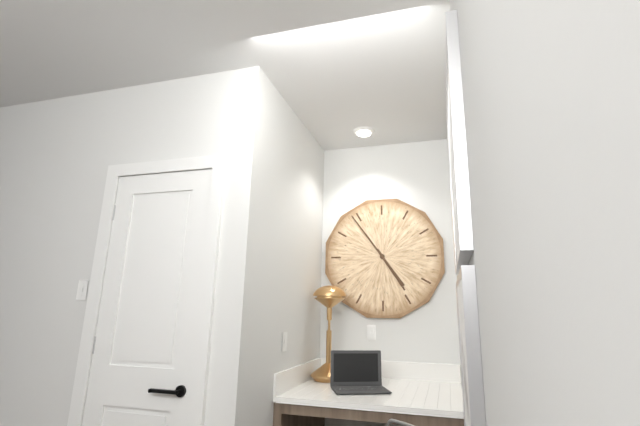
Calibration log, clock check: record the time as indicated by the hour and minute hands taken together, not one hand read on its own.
4:54
